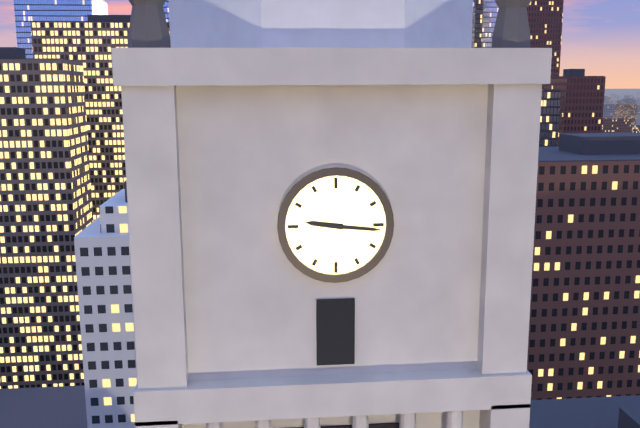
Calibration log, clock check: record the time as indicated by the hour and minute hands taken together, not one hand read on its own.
9:16
